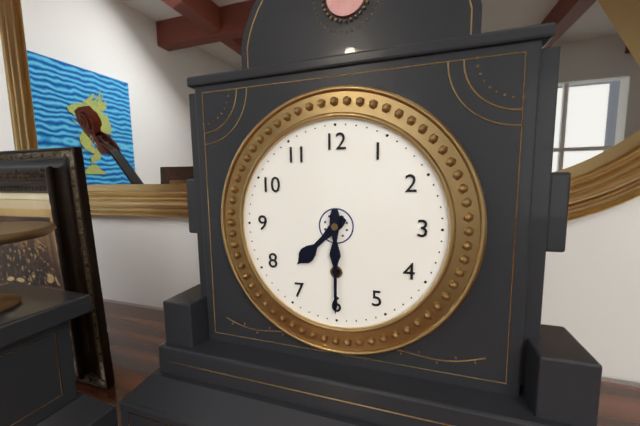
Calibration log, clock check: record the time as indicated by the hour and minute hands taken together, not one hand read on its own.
7:30
